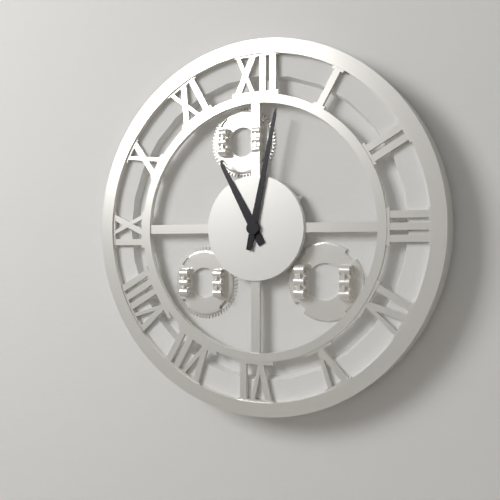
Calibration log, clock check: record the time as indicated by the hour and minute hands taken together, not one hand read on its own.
11:02
